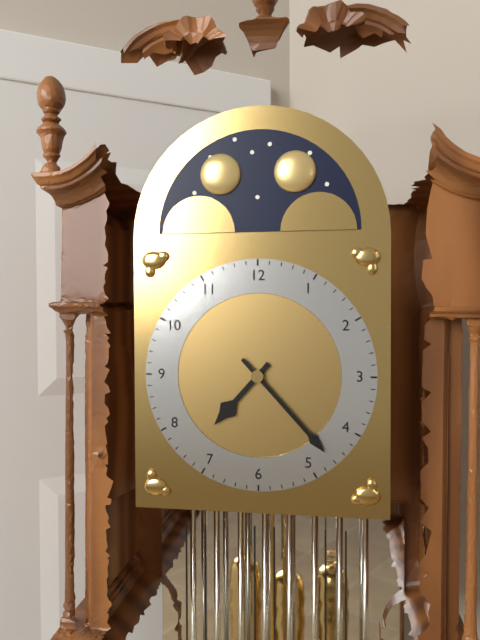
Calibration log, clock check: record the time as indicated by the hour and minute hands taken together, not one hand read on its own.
7:23
